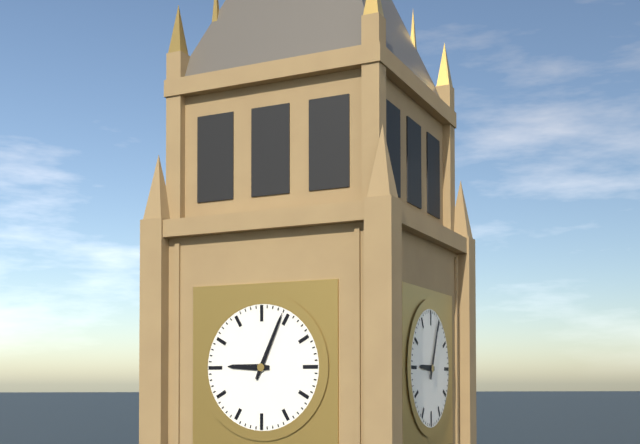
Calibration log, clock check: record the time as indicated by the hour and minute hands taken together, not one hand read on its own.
9:04
